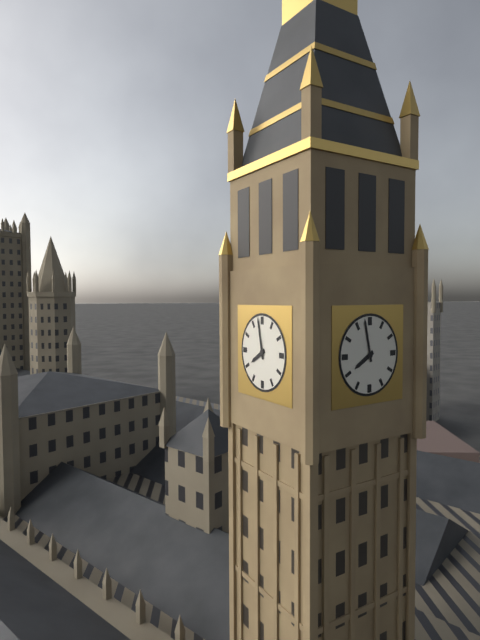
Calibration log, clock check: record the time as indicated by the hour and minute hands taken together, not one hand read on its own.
7:58
